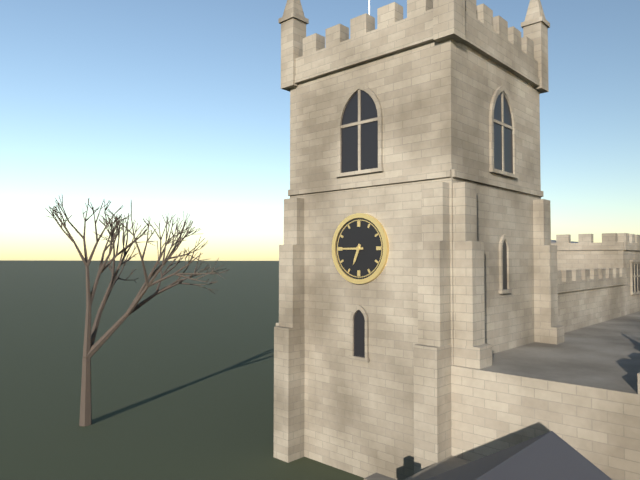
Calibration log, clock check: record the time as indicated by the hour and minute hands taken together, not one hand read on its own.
6:45
